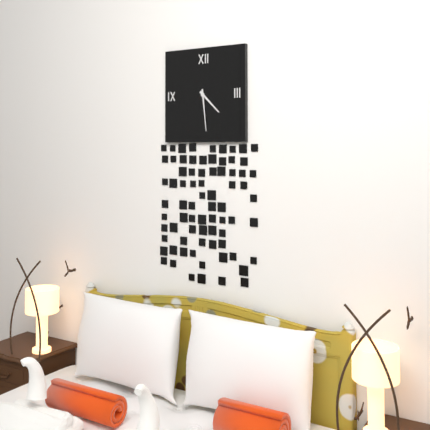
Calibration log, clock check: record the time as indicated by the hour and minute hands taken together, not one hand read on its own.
4:29
